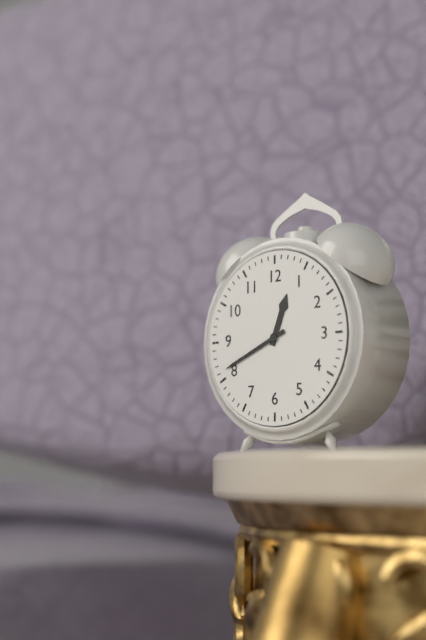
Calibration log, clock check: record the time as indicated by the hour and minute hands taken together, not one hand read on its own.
12:41
